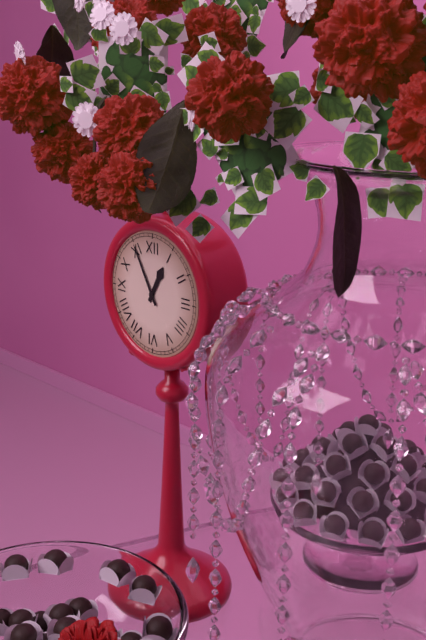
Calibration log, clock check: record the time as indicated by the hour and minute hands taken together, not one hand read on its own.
12:55
